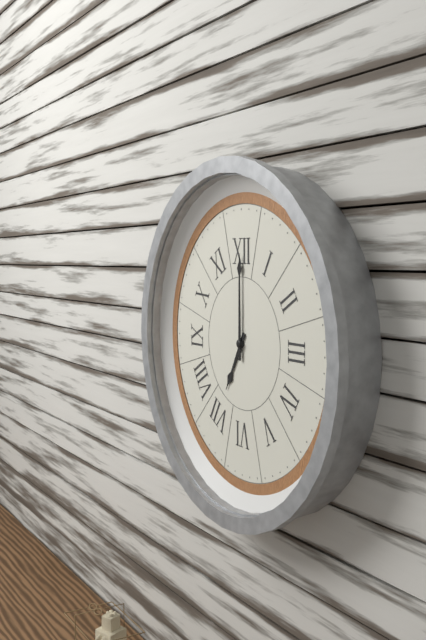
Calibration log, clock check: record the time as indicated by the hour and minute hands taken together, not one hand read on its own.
7:00
